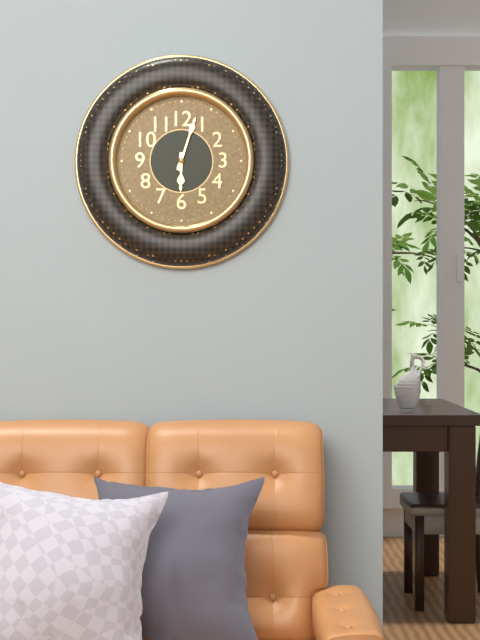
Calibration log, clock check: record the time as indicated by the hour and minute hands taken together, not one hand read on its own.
6:03
